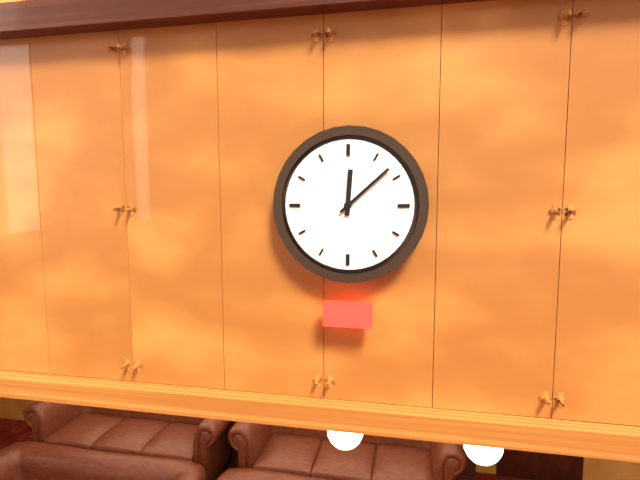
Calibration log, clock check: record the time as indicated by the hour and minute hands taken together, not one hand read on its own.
12:08
